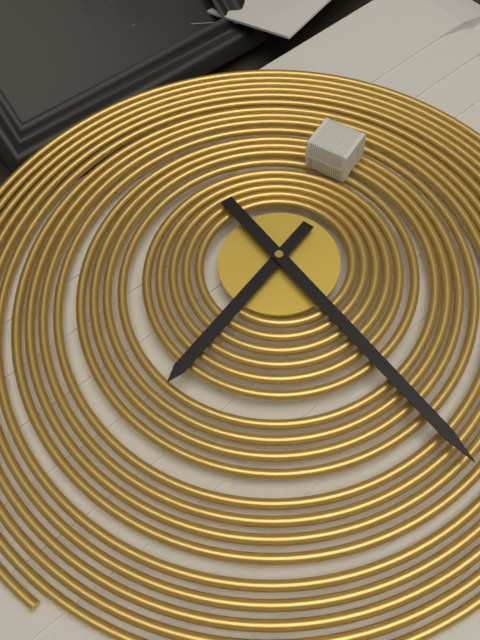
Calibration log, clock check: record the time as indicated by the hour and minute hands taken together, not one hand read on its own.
8:30
